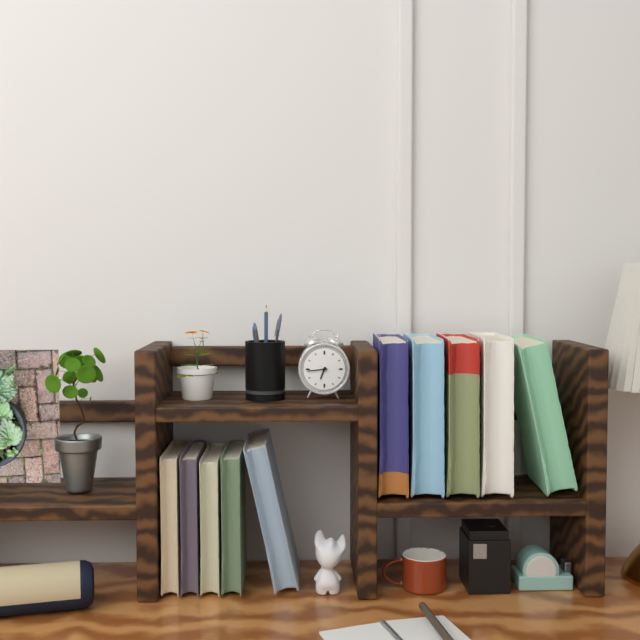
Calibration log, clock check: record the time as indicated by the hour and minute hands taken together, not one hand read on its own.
6:44
